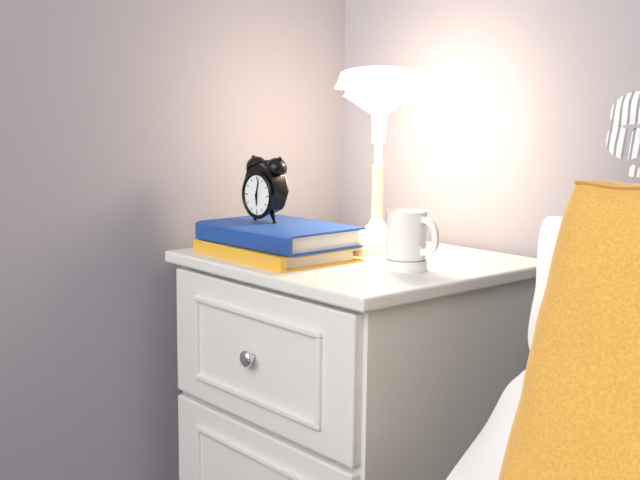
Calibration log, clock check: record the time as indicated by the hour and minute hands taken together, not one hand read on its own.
6:02
